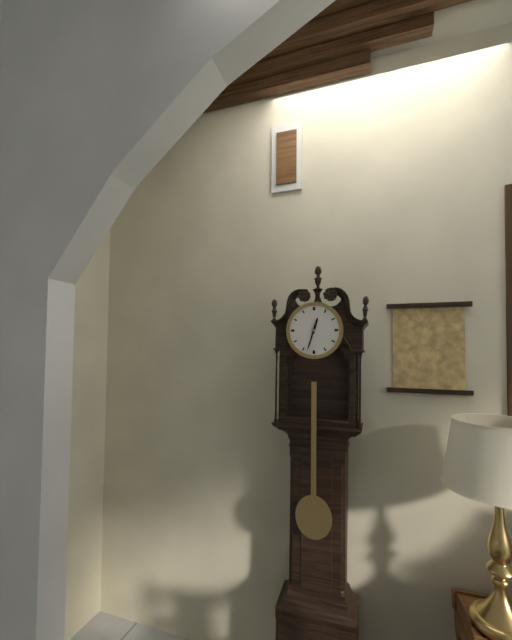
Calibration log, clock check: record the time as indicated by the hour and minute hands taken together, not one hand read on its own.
12:33
